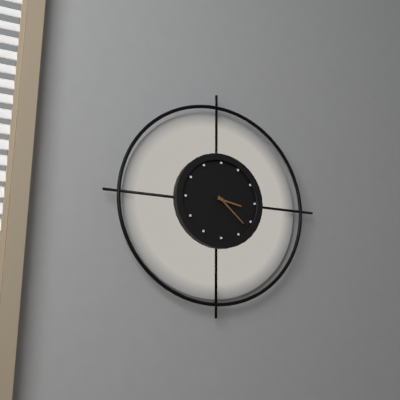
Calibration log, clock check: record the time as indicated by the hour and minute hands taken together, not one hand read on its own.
3:22
